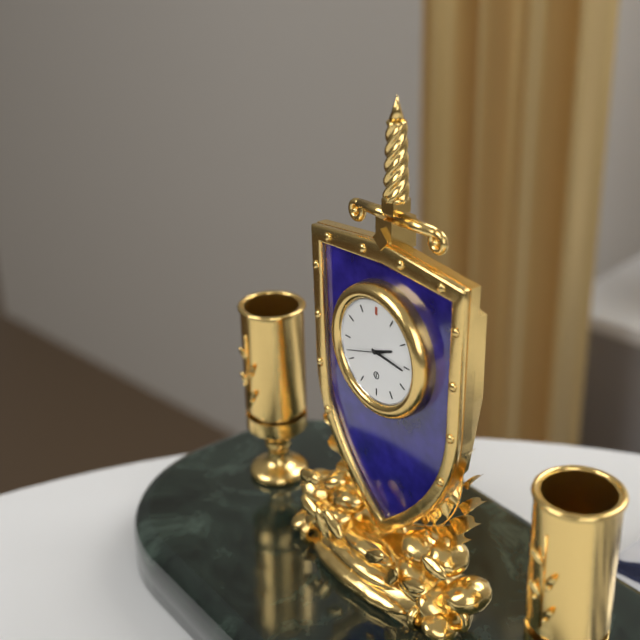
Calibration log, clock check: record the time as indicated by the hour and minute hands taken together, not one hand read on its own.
2:16
